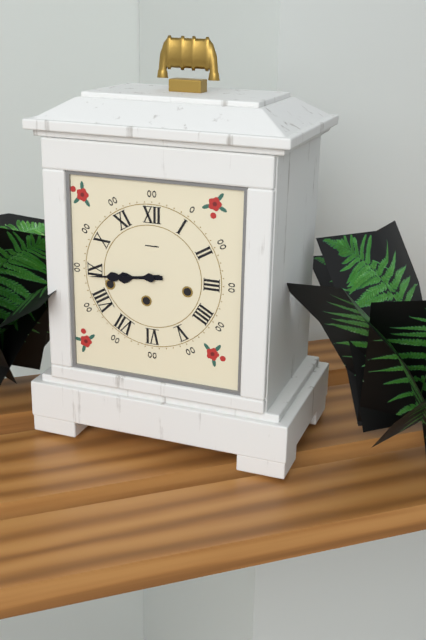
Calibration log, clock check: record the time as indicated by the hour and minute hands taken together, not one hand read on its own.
8:44
